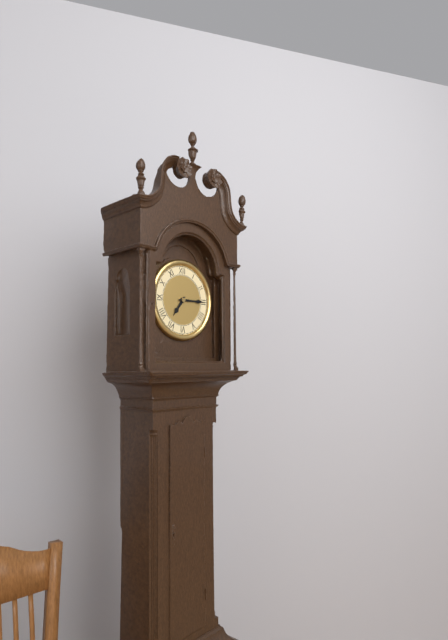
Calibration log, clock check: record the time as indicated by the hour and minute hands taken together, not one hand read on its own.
7:15
